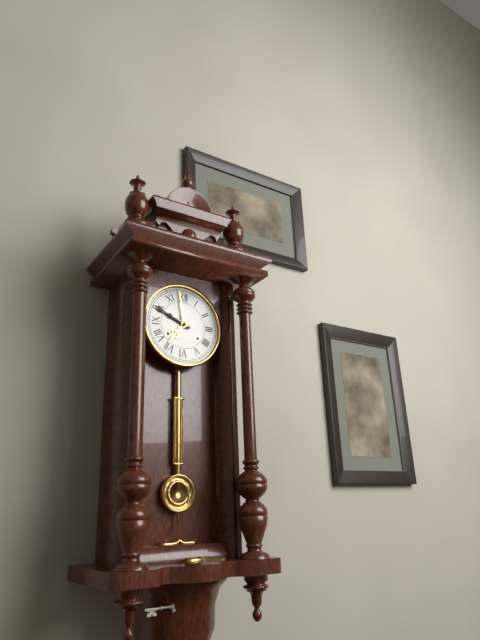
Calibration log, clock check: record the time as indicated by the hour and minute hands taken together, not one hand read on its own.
9:49
